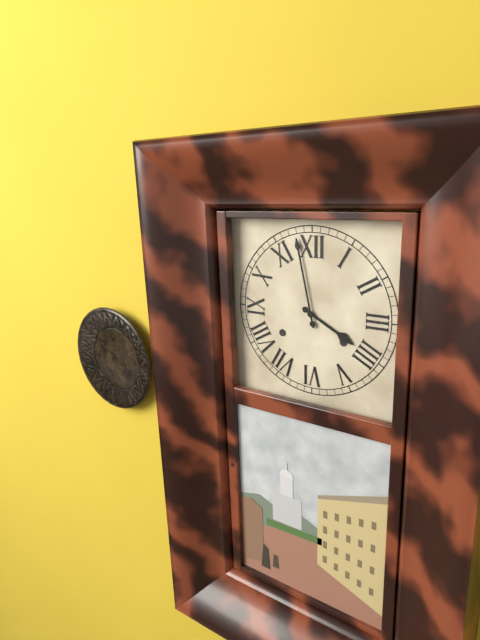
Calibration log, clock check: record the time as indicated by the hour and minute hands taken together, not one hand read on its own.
3:58
